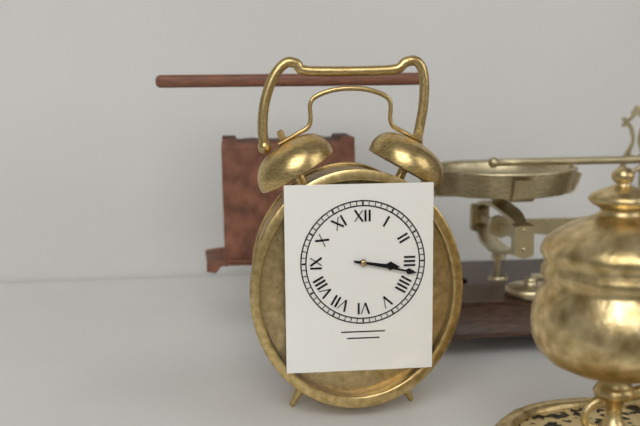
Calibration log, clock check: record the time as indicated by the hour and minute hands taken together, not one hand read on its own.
3:17
